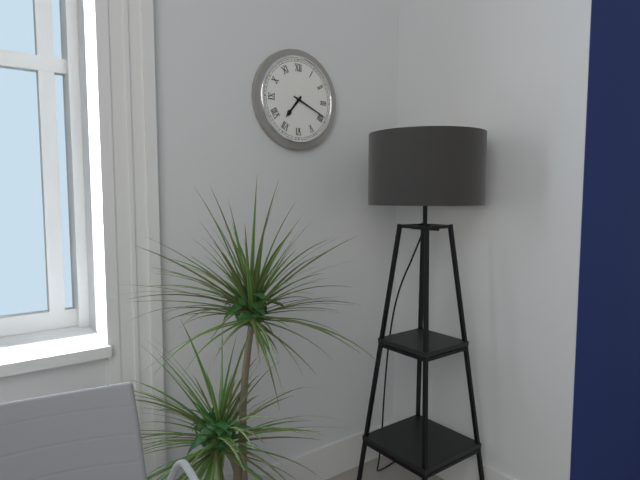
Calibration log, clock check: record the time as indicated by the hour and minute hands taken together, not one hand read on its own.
7:19
